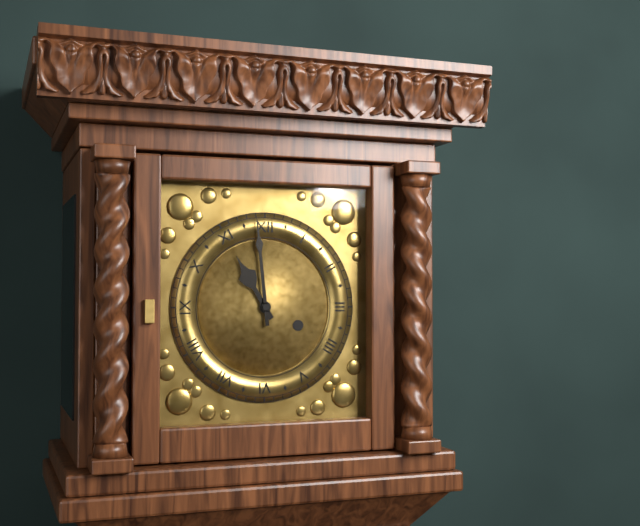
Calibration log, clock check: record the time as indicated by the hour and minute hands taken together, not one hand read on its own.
10:59
